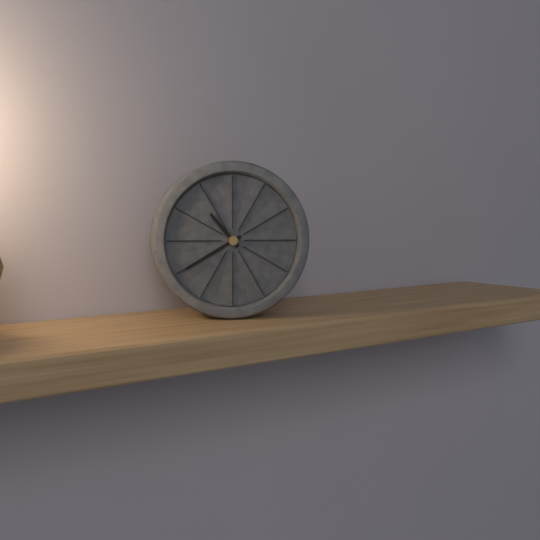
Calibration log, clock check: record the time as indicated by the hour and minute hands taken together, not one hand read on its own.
10:40
